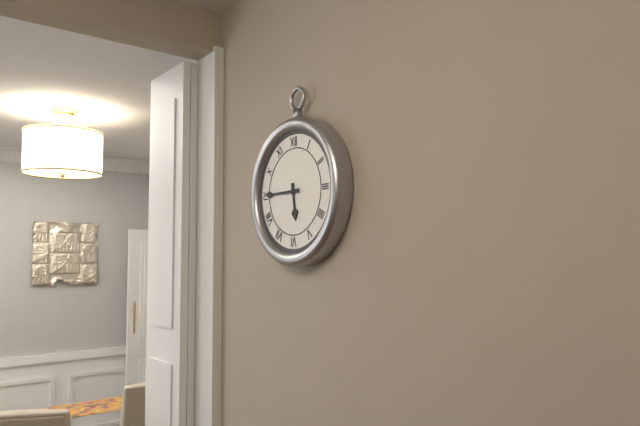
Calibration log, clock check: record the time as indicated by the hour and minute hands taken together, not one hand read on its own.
5:45
